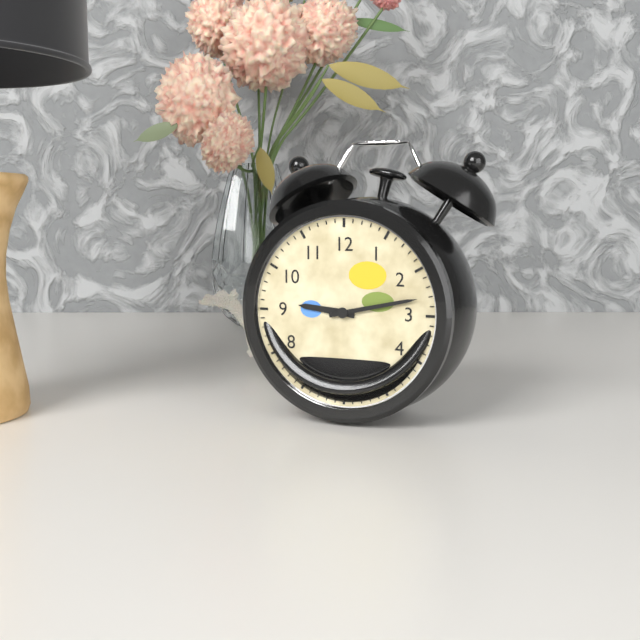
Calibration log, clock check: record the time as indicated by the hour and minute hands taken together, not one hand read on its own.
9:13
